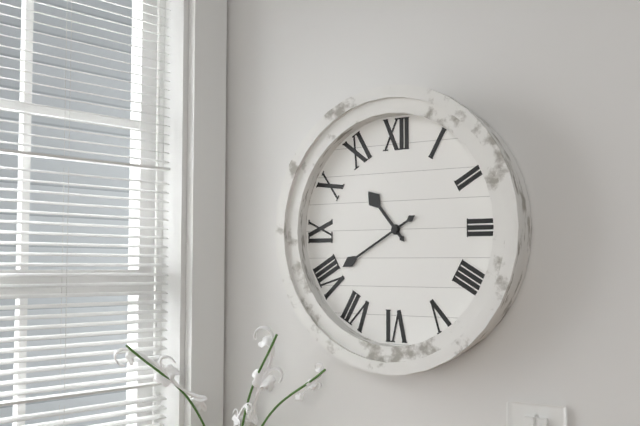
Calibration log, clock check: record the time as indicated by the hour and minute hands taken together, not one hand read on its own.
10:40
